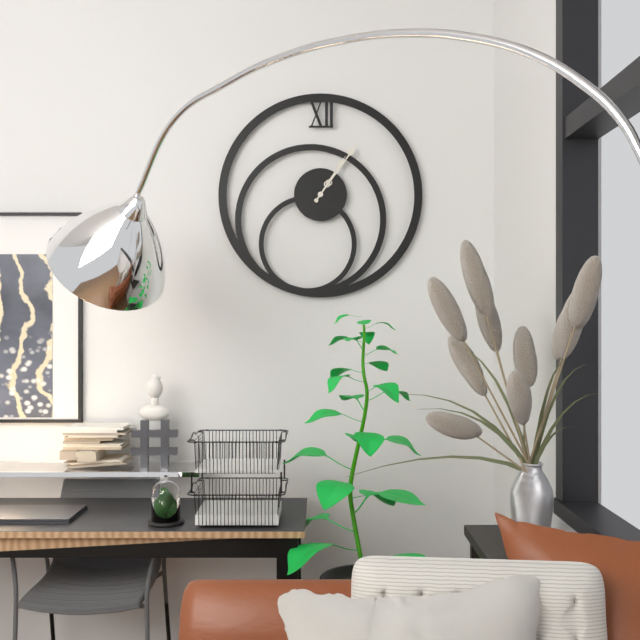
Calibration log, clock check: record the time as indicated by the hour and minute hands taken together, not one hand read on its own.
1:06
